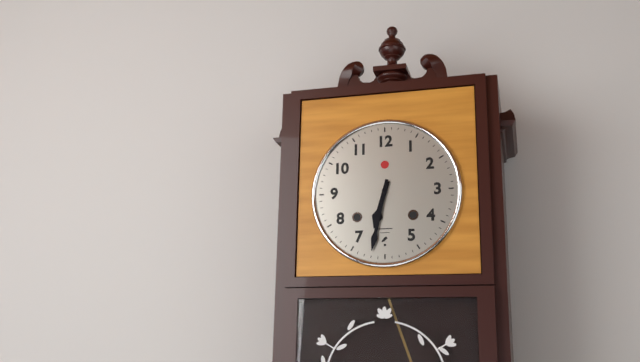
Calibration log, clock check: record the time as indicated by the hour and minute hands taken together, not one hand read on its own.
6:32
